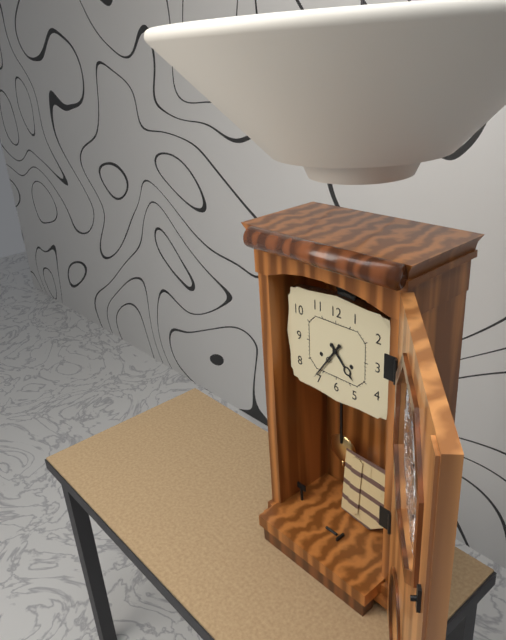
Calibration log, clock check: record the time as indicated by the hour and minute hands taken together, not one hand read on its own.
4:36
